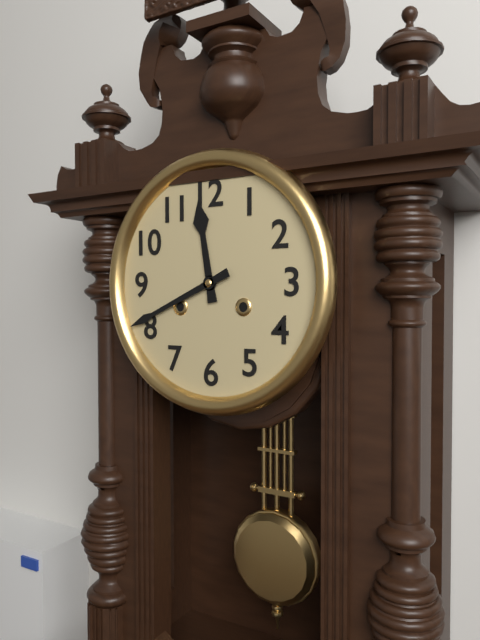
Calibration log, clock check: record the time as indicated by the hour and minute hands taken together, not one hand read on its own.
11:41
